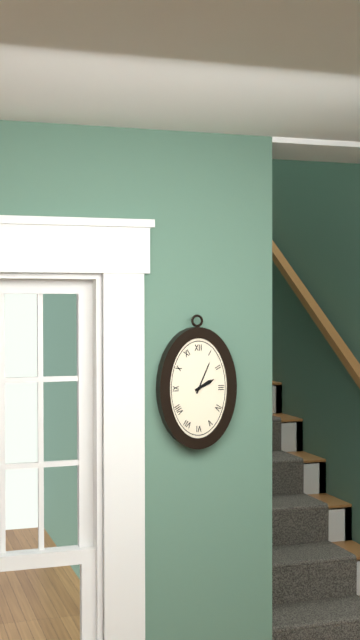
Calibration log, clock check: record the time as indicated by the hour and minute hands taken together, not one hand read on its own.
2:04
